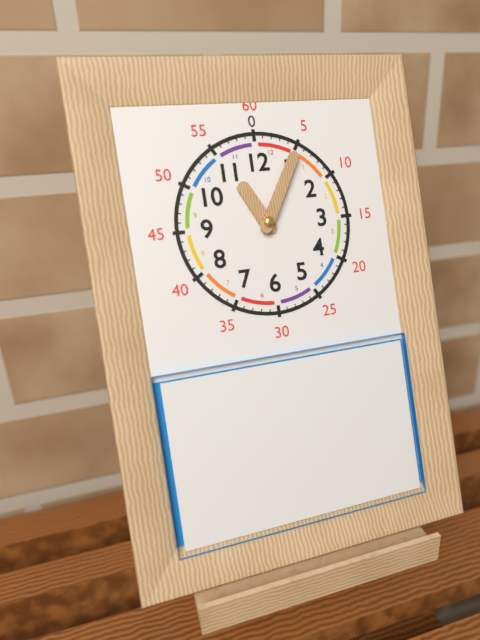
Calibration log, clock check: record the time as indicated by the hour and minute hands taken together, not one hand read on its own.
11:05
